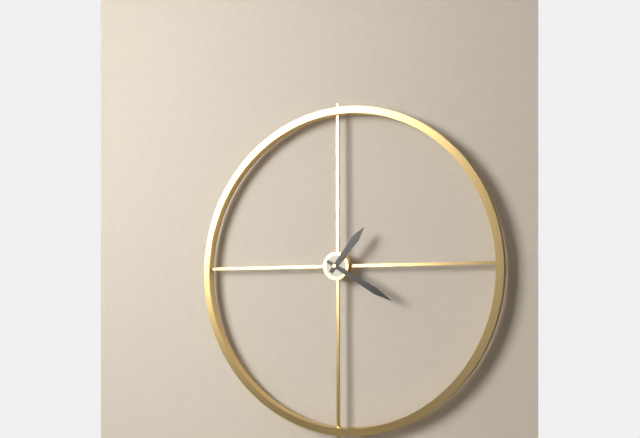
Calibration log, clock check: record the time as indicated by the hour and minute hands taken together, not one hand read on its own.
1:20
